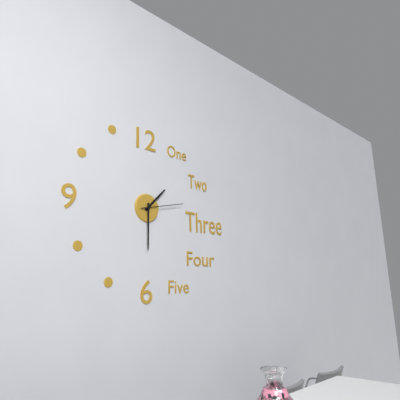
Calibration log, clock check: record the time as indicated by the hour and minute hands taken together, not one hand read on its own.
1:30
